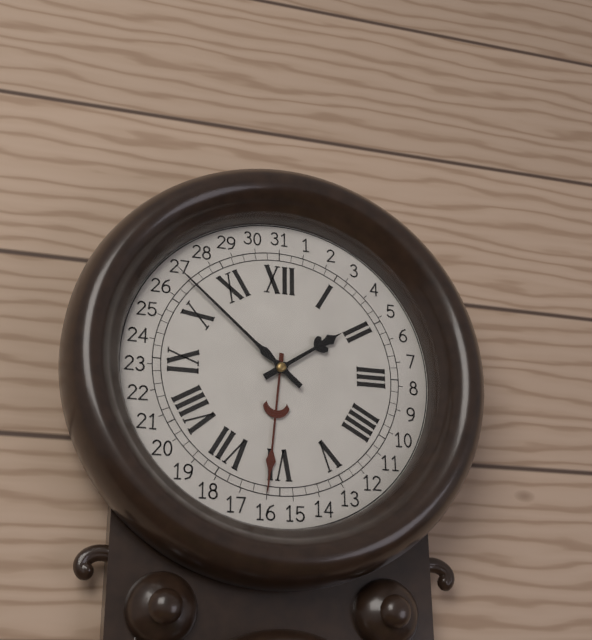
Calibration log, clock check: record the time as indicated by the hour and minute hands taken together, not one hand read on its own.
1:52
